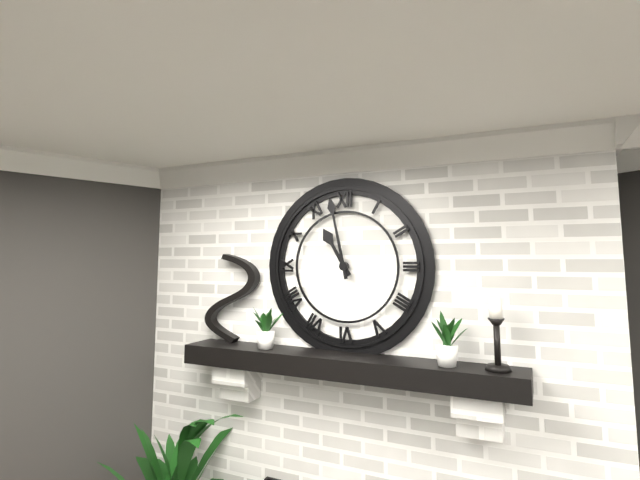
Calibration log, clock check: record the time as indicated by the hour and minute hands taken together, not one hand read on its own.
10:58
